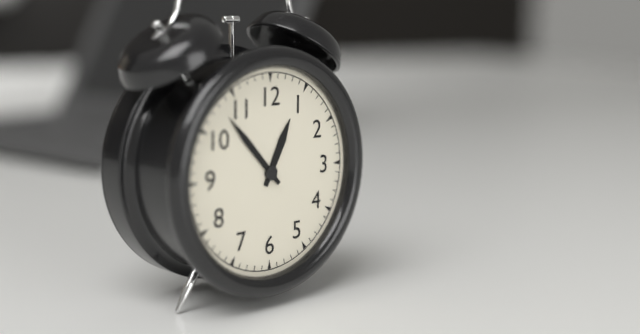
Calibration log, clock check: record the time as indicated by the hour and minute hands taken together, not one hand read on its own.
12:53
